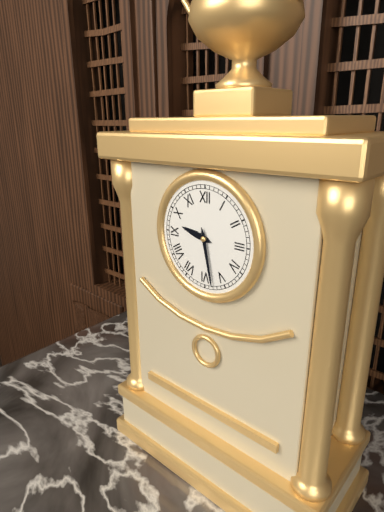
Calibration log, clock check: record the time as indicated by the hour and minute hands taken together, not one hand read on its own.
9:28
